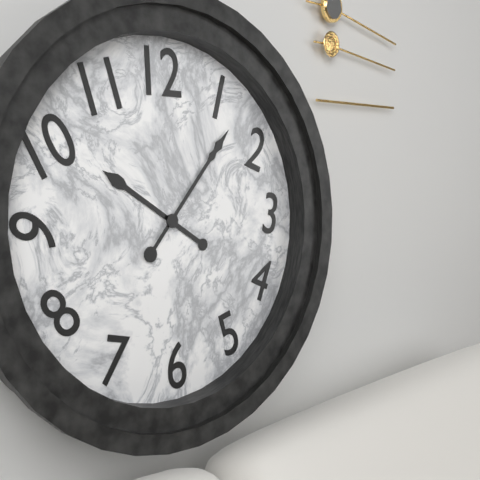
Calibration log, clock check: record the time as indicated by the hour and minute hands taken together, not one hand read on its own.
10:07
